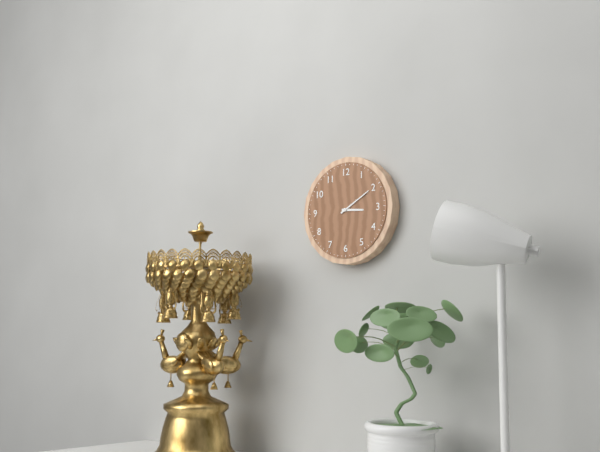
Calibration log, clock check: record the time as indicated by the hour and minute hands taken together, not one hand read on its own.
3:10
